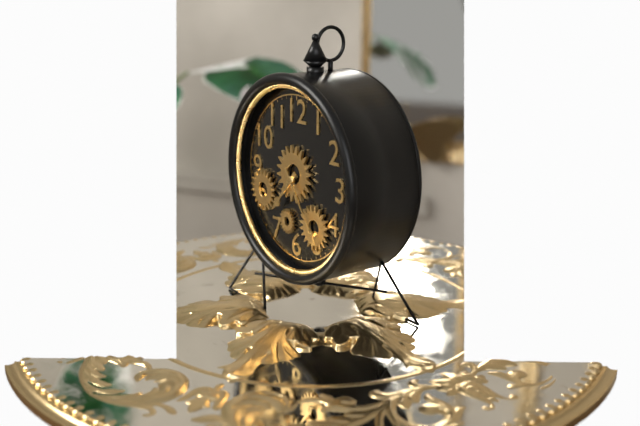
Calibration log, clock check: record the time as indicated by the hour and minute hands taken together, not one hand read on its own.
7:24
